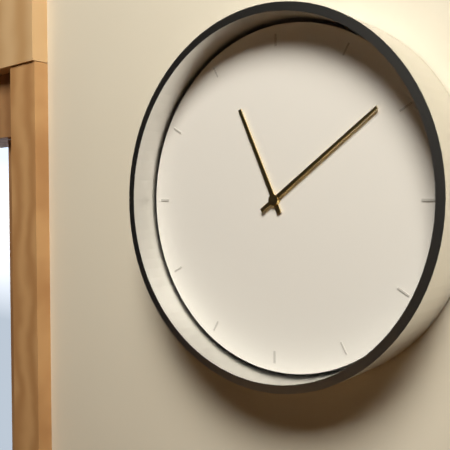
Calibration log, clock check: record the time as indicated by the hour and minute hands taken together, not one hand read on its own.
11:09
